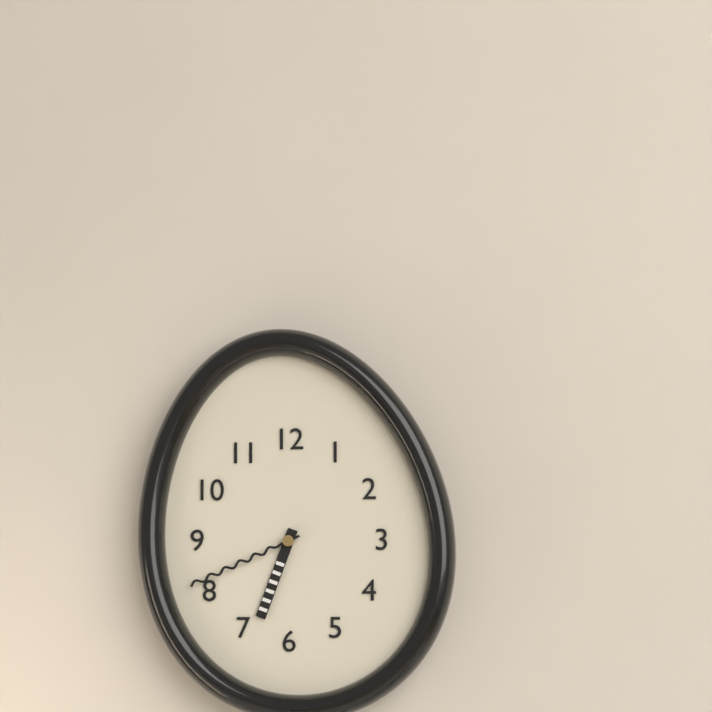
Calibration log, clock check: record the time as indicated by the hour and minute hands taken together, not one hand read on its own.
6:41
